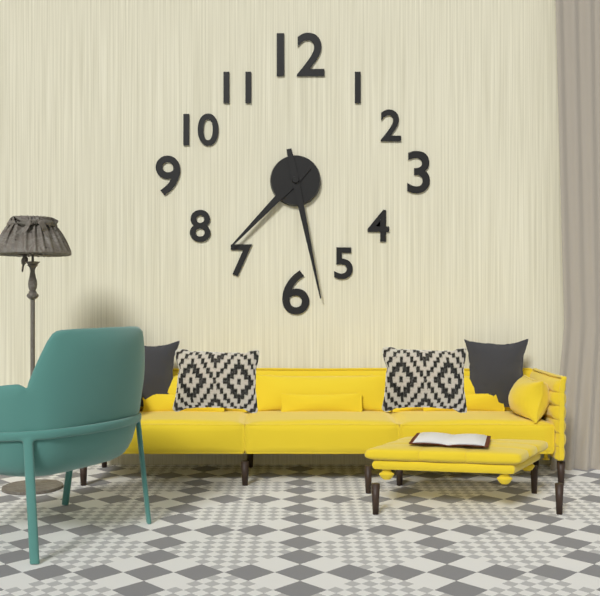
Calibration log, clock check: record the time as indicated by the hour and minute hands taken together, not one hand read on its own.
7:28
